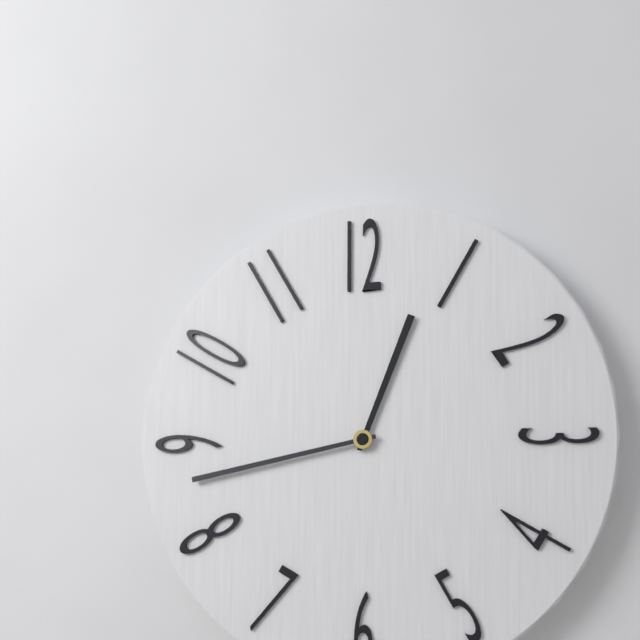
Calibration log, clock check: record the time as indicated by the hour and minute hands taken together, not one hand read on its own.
12:43
